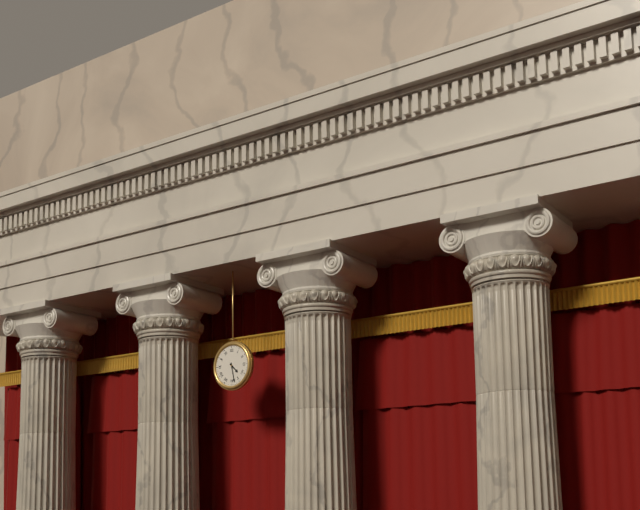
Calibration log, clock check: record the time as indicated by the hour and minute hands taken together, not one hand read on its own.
4:28
